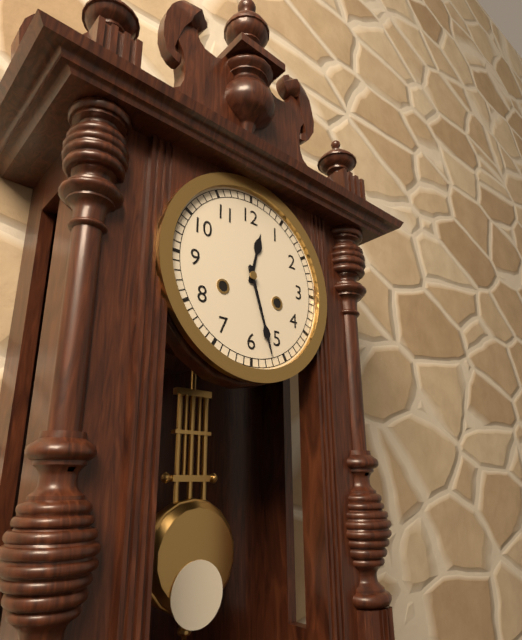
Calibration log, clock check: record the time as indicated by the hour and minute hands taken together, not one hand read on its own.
12:27
